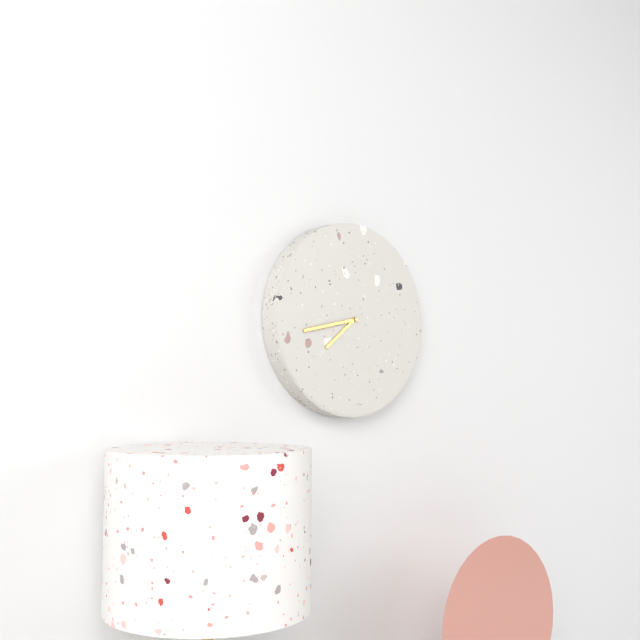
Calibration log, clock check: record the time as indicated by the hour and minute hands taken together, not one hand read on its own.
7:43
